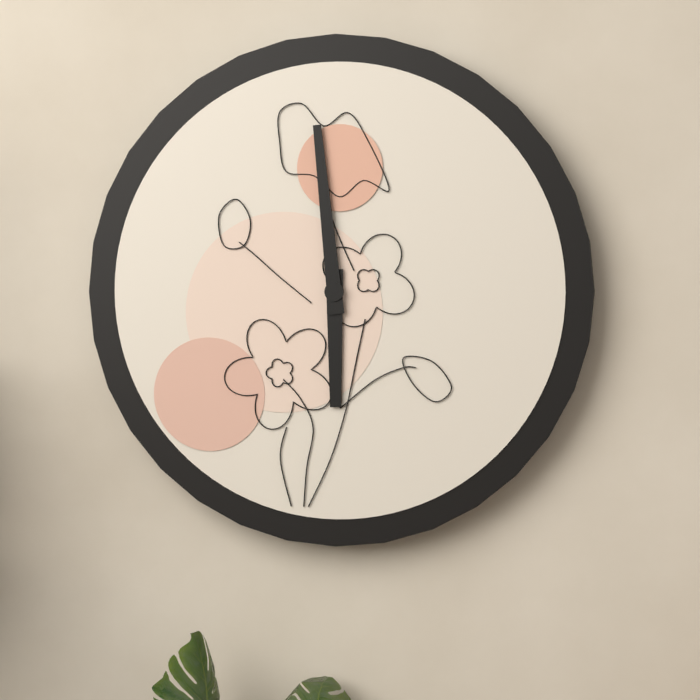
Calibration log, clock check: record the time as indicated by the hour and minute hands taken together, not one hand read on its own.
5:59
